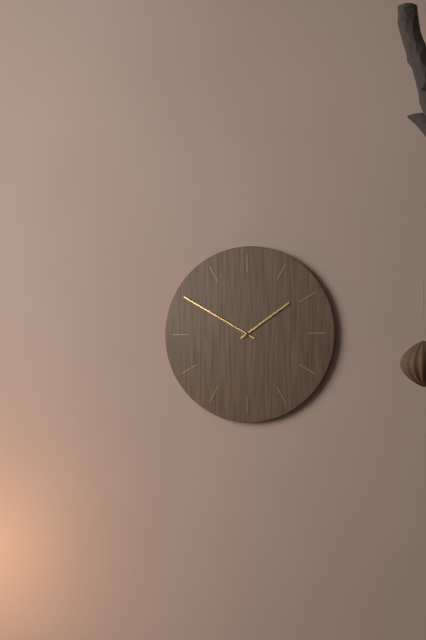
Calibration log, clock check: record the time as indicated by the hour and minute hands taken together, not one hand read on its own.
1:50
